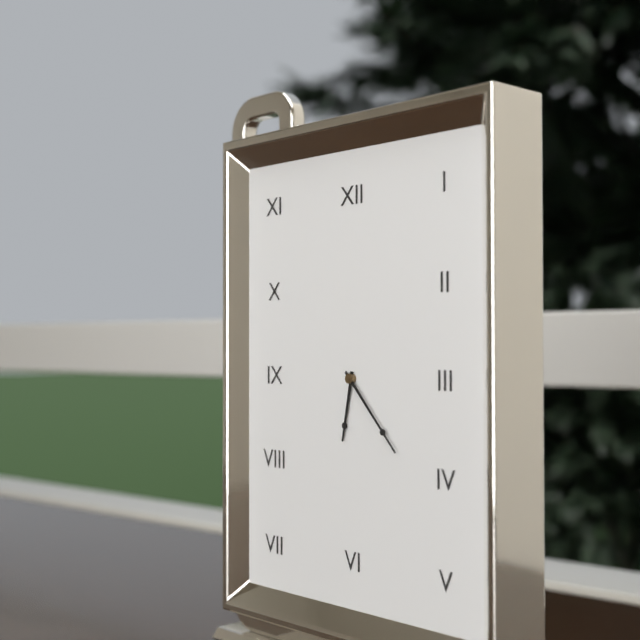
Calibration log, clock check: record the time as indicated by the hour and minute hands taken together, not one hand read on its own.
6:23
